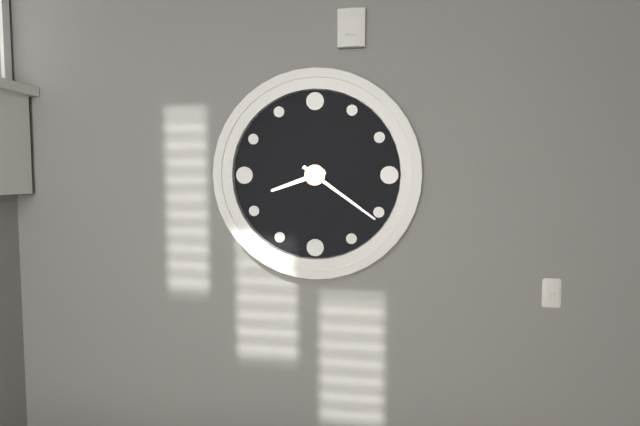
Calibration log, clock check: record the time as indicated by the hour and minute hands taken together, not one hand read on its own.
8:21
